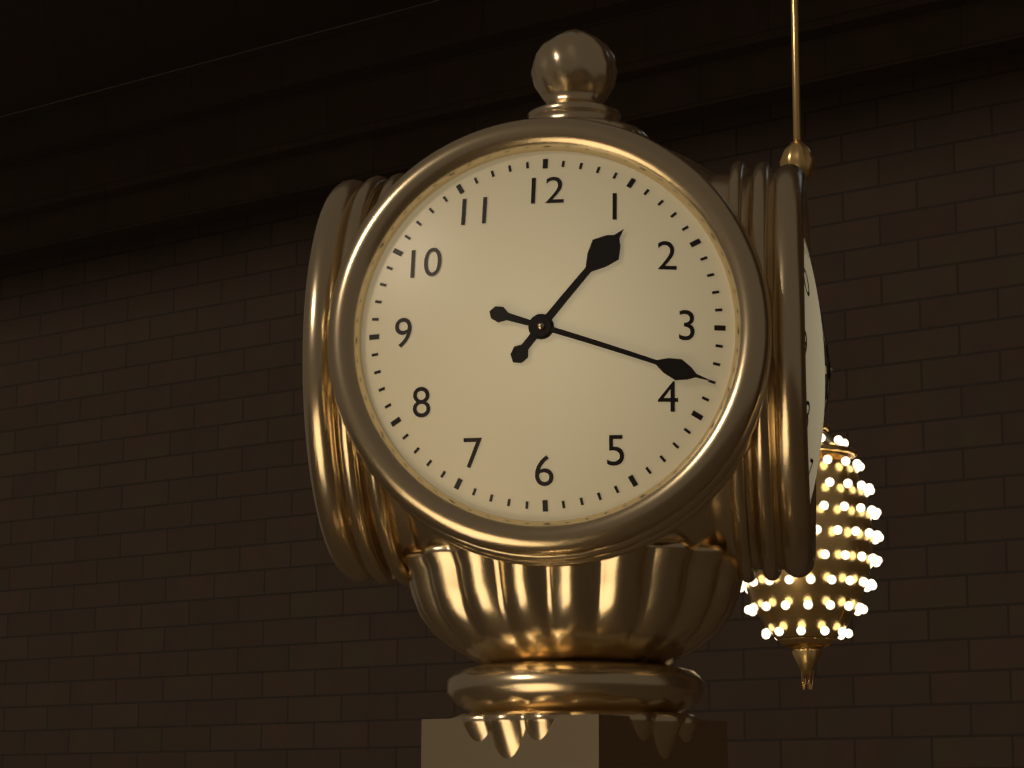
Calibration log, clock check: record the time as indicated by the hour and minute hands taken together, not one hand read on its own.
1:18
